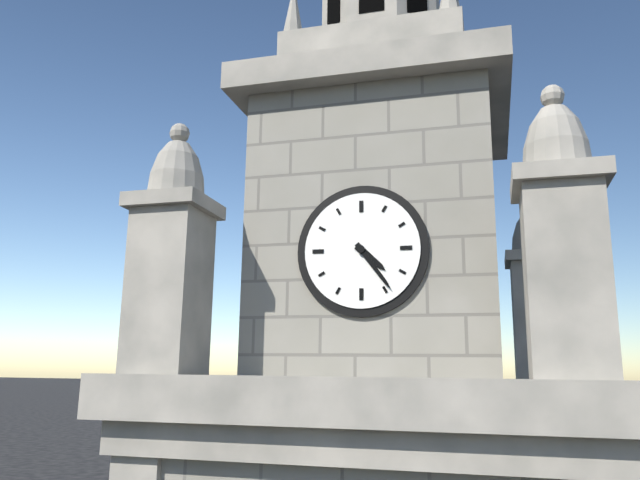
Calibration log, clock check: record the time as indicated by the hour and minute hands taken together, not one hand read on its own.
4:24
